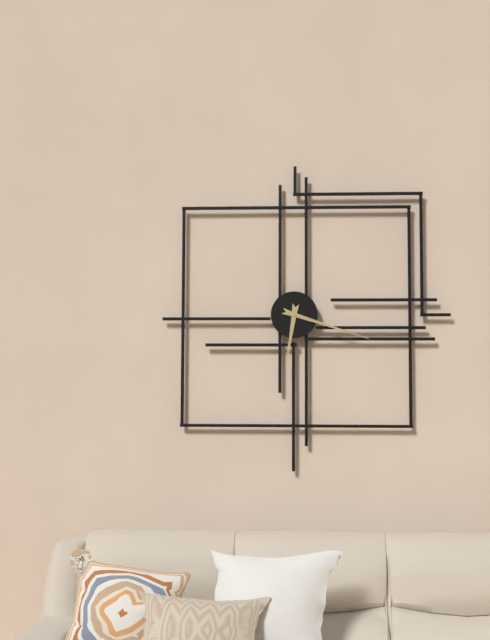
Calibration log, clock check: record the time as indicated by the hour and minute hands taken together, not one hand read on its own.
6:18
